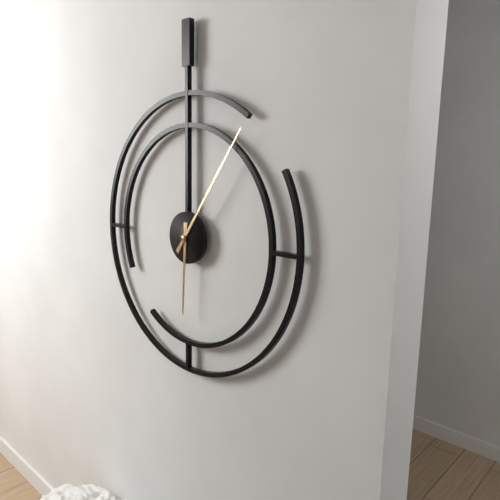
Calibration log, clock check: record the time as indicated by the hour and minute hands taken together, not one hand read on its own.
6:06
